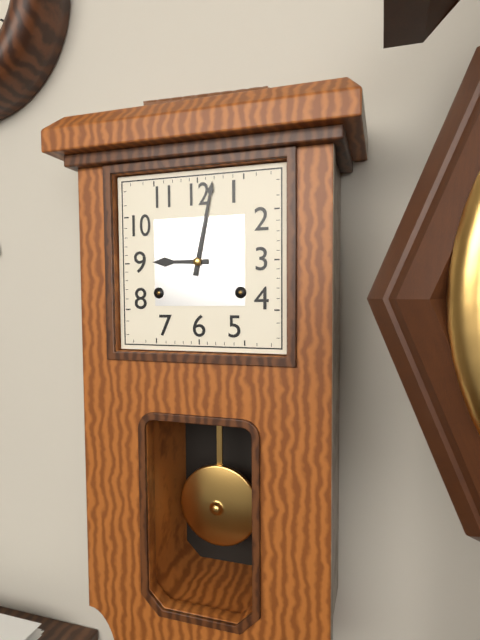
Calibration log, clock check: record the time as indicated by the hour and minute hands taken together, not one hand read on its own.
9:02
